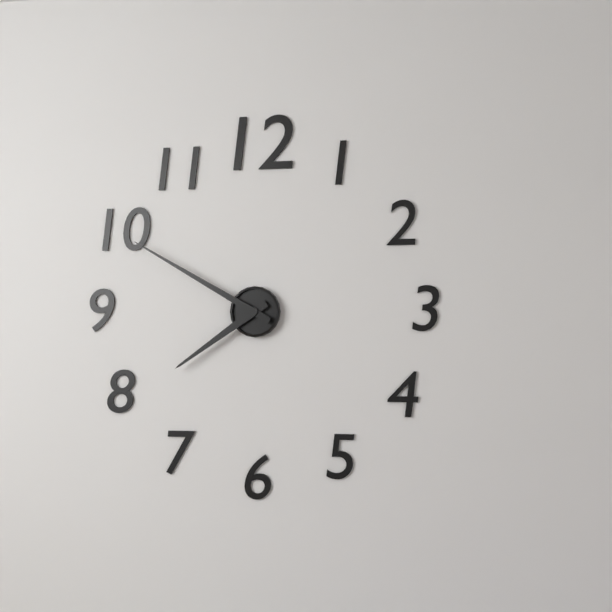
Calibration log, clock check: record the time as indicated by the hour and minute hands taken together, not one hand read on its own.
7:50
